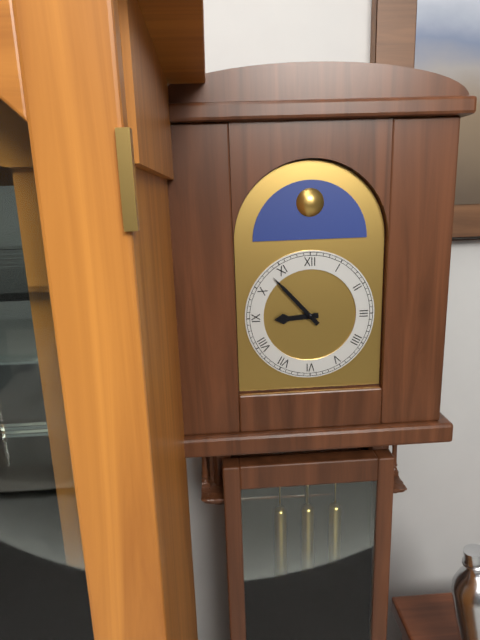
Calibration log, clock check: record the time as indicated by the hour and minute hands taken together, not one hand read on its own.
8:53
